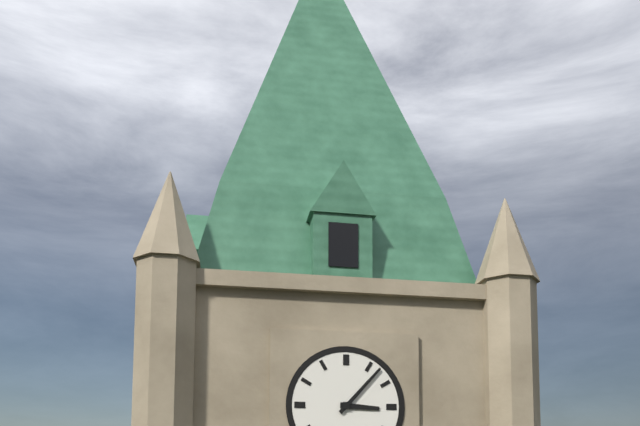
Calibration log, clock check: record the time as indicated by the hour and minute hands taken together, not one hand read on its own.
3:07
